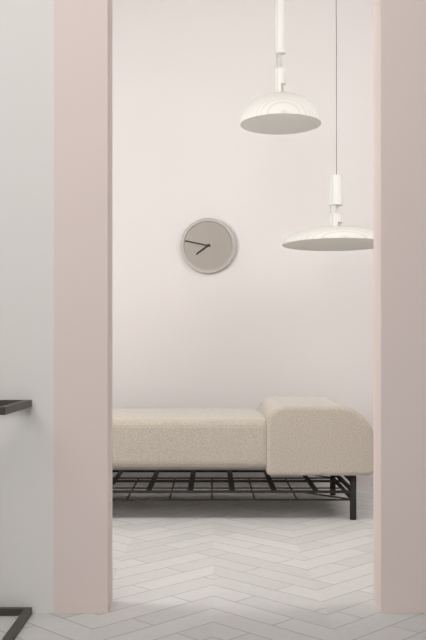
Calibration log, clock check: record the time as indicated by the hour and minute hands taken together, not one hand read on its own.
7:47
